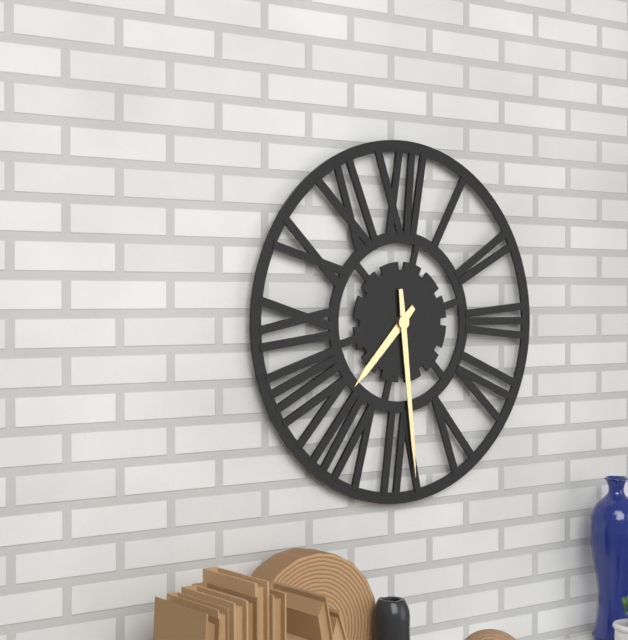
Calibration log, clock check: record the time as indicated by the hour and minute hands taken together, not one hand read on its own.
7:29
